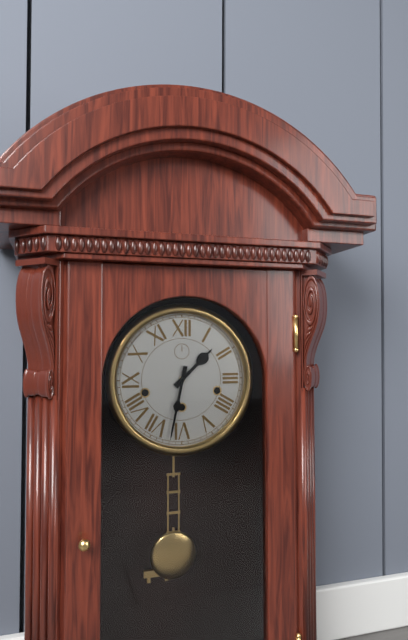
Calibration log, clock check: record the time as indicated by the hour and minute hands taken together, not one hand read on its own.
1:32
